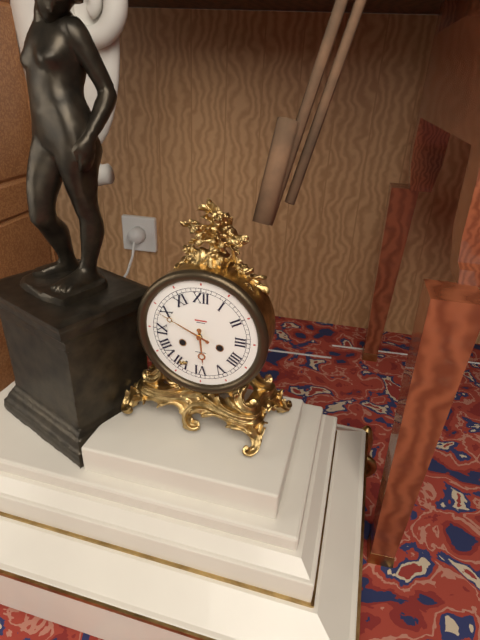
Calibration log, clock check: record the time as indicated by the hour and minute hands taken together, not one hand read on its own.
5:49
